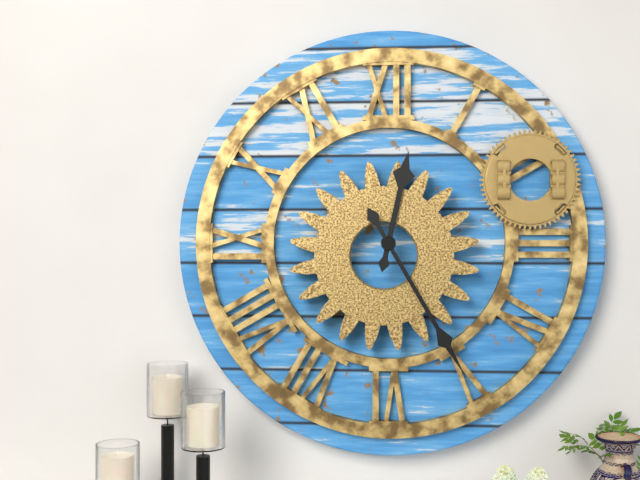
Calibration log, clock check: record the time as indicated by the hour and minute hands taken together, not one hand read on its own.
12:25
